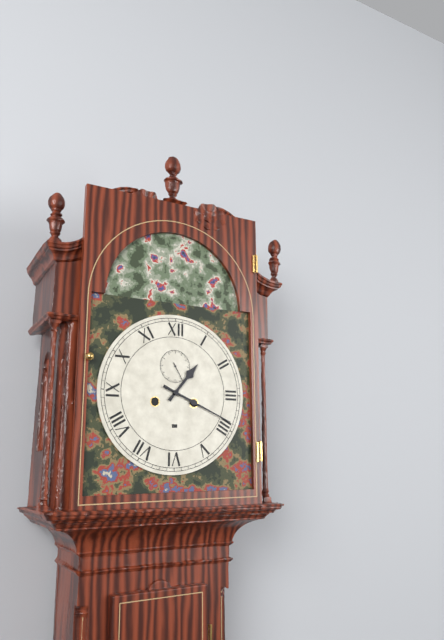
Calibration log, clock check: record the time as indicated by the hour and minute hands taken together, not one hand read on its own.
1:19
